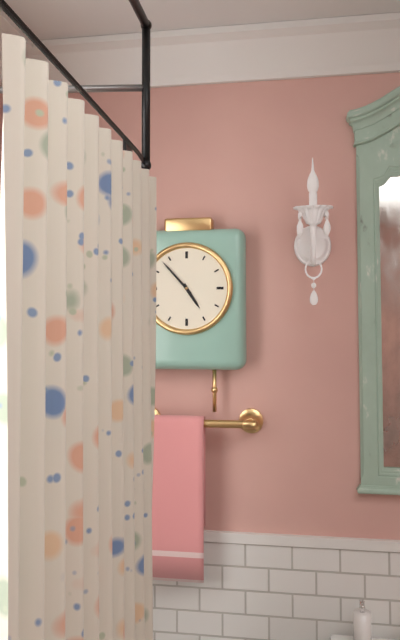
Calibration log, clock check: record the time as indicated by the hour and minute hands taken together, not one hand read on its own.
4:53
